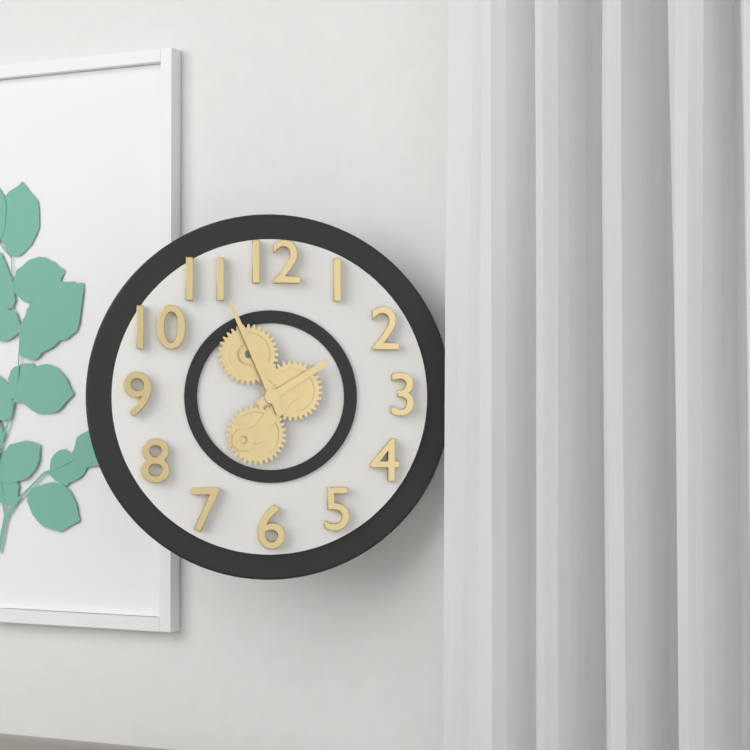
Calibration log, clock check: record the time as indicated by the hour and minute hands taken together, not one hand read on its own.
1:56
